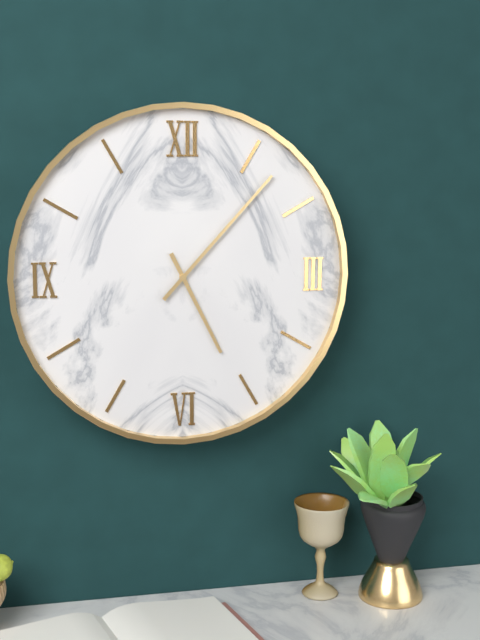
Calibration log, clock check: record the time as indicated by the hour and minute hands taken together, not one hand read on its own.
5:07
